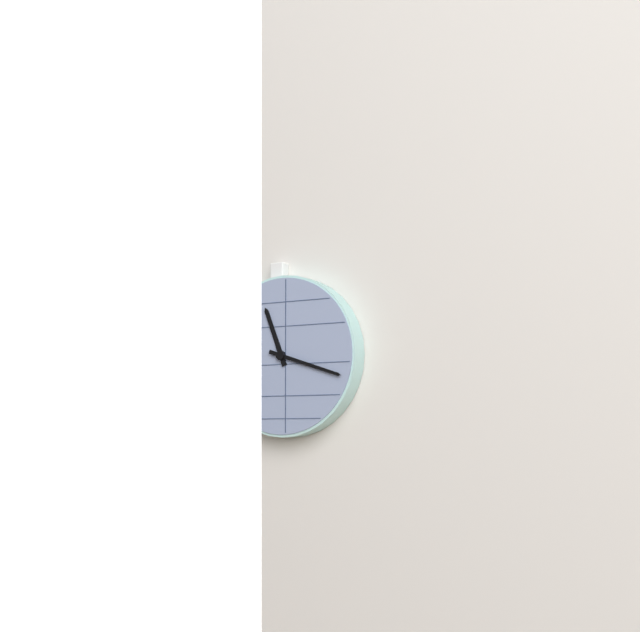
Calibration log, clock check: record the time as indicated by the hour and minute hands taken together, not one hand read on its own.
11:18
